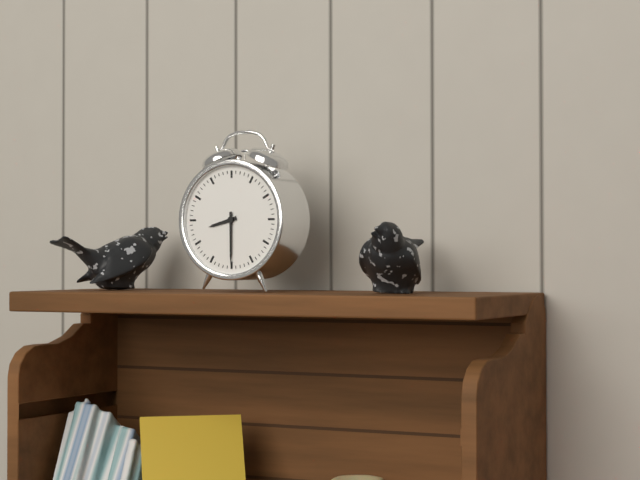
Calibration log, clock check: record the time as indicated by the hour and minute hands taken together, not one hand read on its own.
8:30
